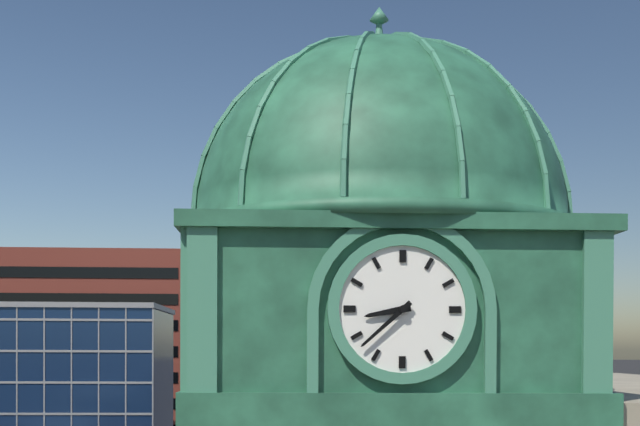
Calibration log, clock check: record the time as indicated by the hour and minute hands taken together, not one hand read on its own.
8:38
